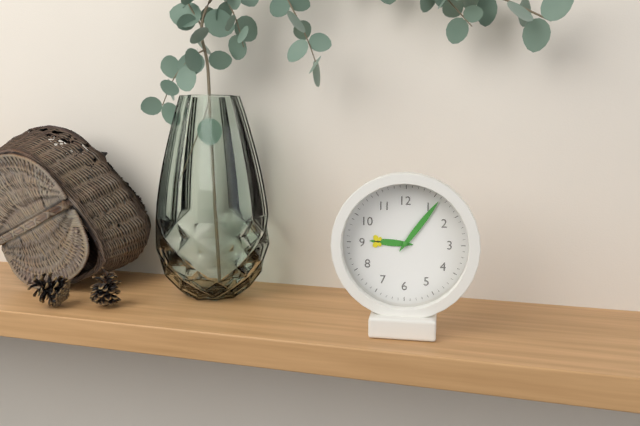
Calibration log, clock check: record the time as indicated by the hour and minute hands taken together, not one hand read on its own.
9:06
